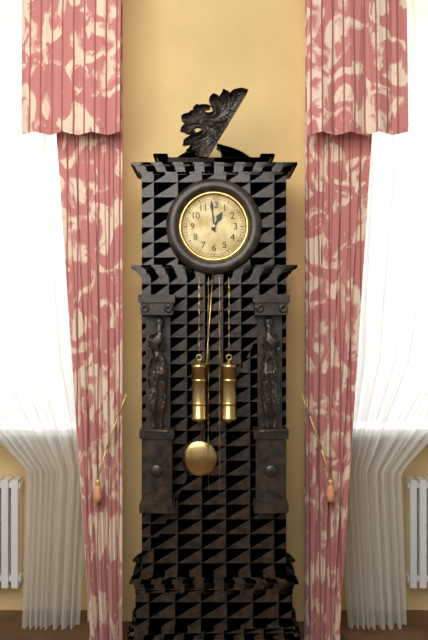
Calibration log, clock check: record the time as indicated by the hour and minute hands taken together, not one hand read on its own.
12:59
